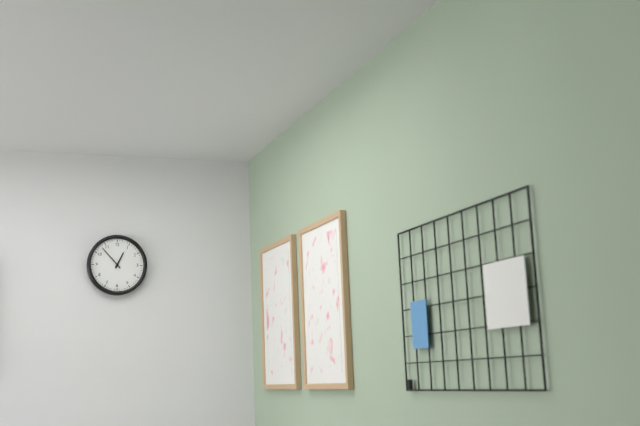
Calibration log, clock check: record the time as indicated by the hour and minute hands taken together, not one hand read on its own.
12:53
